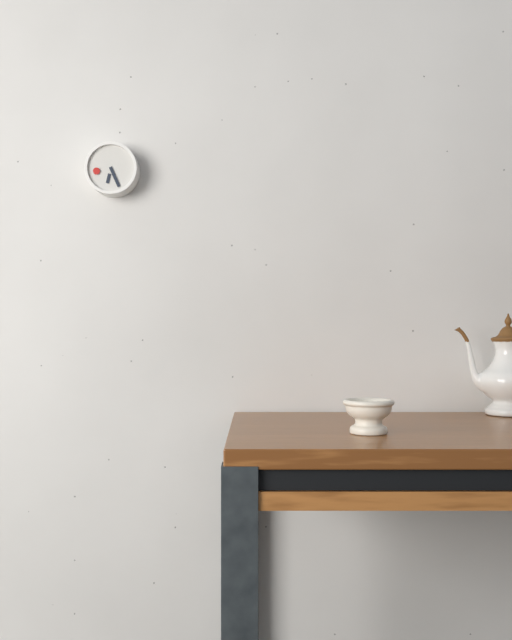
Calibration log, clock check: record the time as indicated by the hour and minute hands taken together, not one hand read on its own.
6:26
